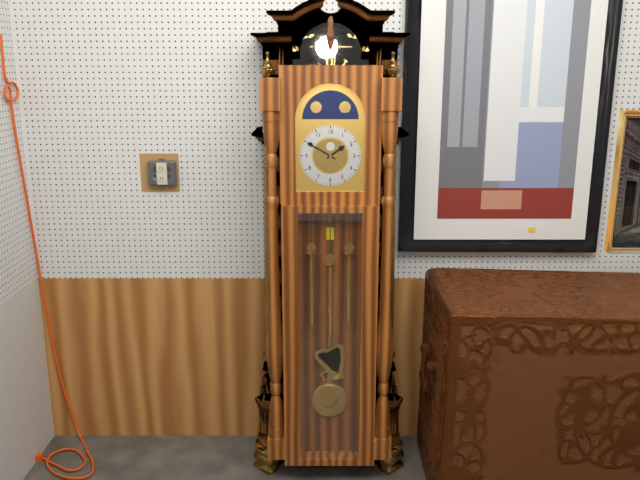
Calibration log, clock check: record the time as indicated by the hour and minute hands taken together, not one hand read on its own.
1:50
